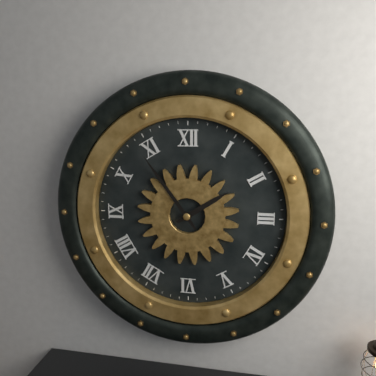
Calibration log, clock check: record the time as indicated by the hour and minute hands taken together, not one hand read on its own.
1:54
